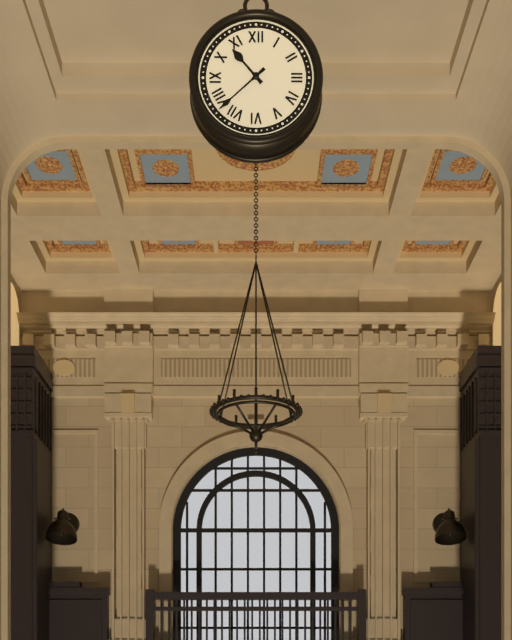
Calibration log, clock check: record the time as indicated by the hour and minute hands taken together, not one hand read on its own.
10:38
